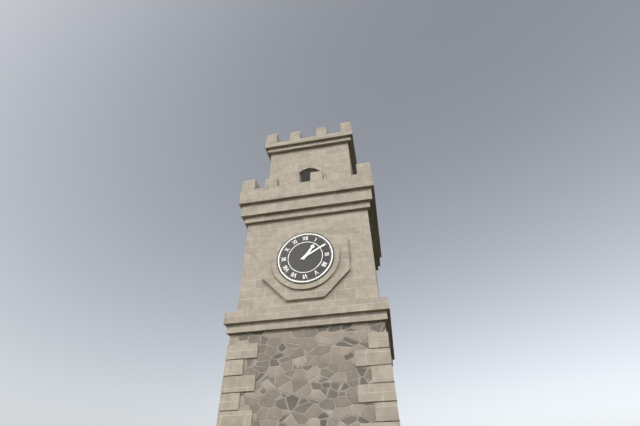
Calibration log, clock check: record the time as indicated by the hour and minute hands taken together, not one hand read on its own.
1:10
